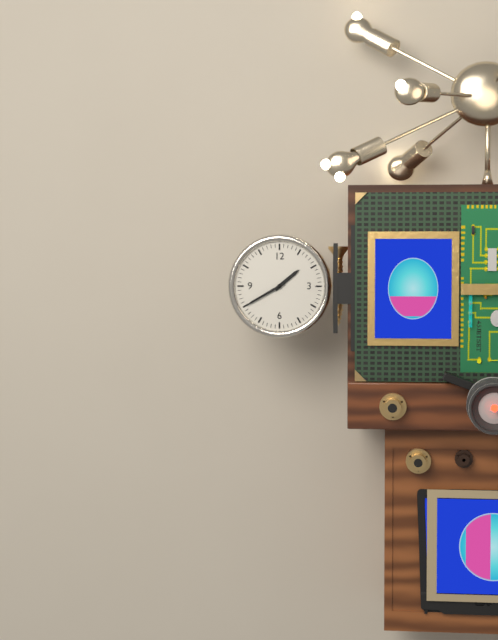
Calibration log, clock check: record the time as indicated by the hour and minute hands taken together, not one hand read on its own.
1:40
